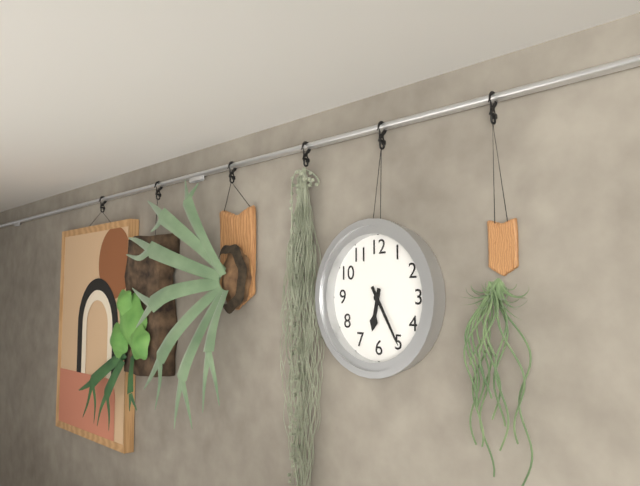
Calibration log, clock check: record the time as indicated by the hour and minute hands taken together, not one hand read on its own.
6:25
